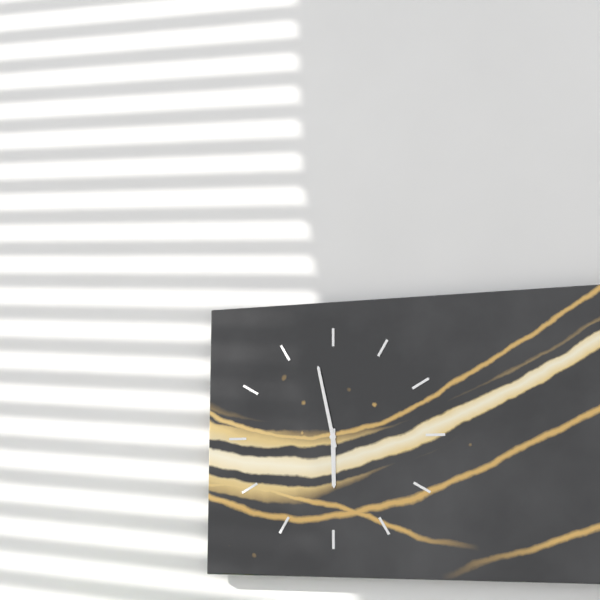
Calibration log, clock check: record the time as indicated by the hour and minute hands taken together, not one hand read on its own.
5:58
